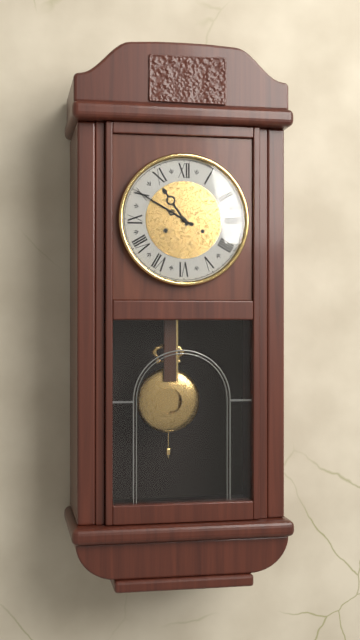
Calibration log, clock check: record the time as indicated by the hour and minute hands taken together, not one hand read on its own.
10:50
